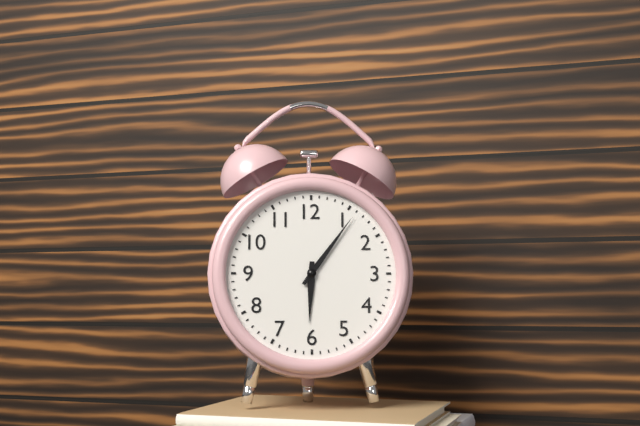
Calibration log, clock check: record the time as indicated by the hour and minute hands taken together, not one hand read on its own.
6:06
